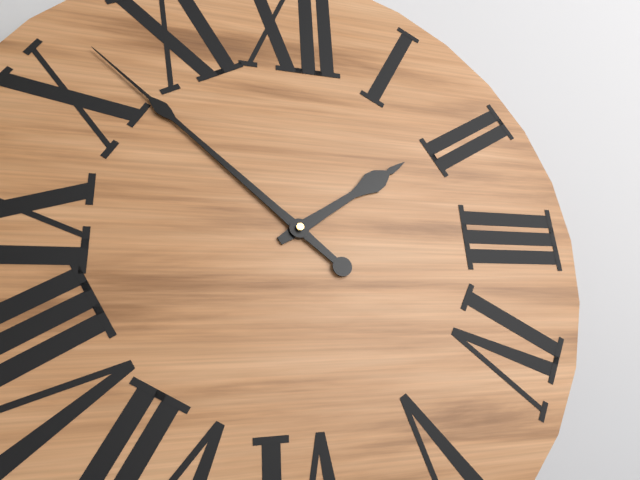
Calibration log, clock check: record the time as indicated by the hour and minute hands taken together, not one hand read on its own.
1:52
